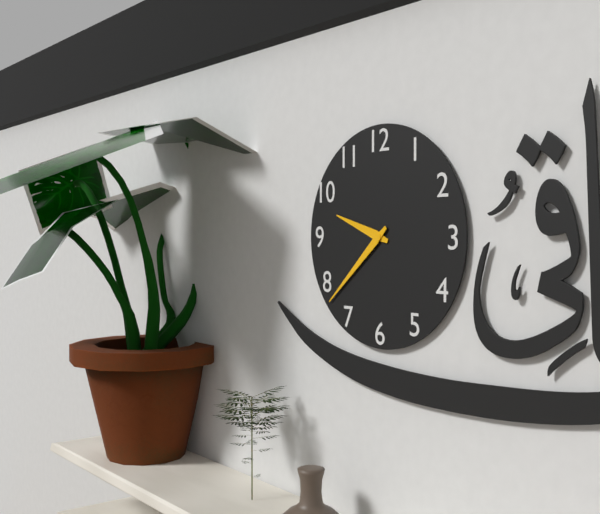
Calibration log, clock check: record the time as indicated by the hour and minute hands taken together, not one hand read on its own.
9:38
